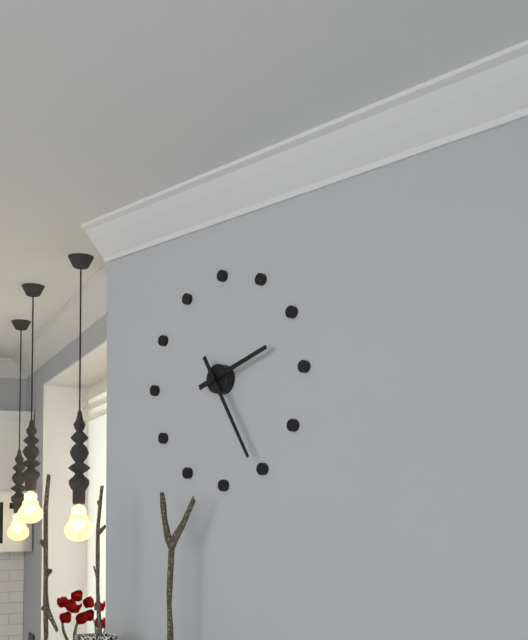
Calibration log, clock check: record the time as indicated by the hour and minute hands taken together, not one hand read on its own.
2:25
